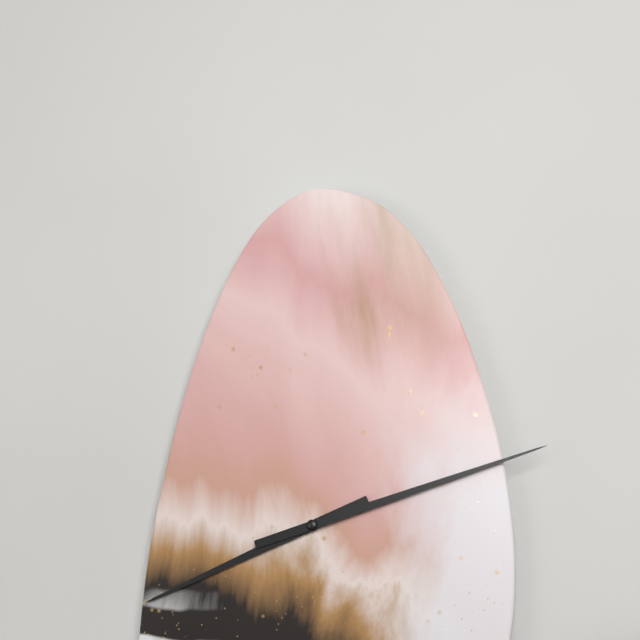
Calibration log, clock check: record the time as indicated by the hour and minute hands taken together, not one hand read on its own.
8:12
